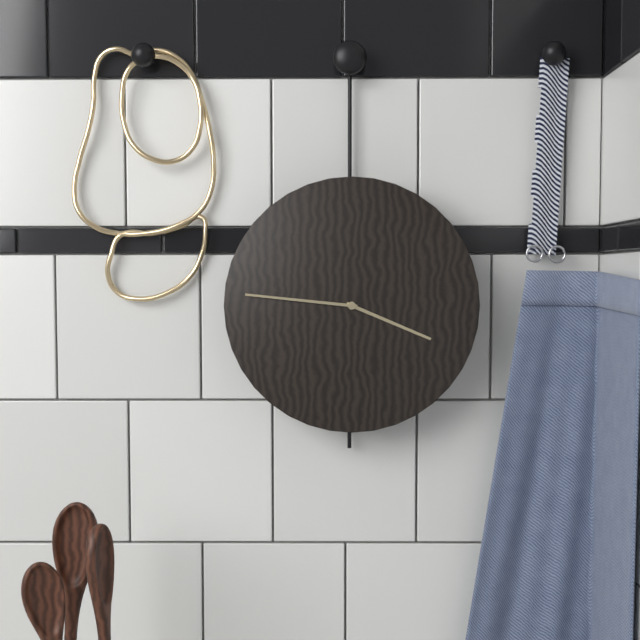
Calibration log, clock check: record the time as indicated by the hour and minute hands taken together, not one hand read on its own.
3:46
